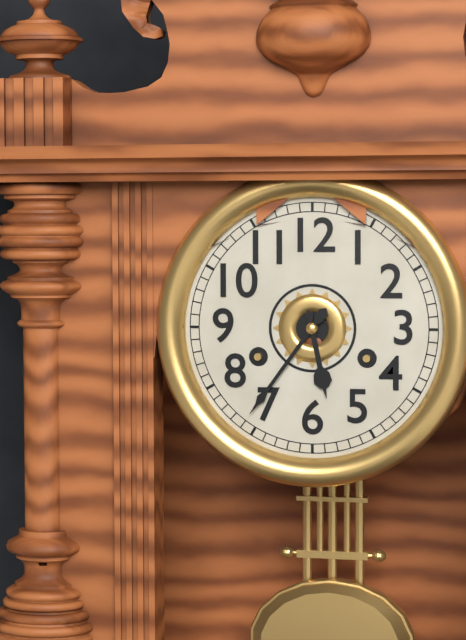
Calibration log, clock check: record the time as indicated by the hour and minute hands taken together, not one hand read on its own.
5:36
